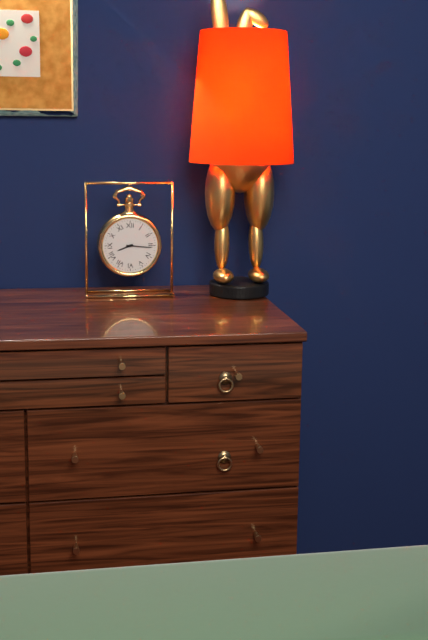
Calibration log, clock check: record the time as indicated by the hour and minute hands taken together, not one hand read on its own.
8:16
